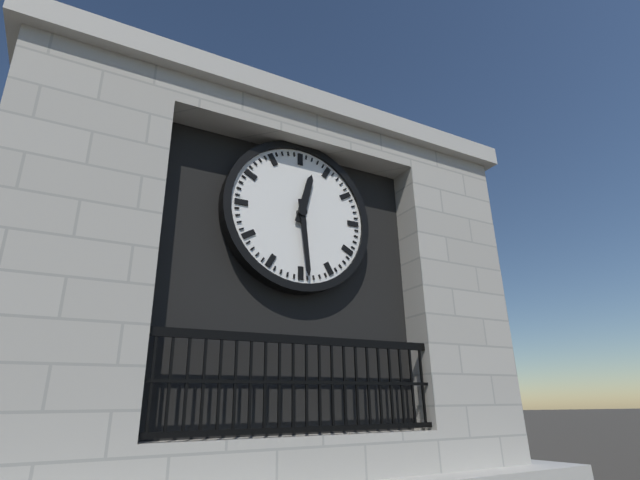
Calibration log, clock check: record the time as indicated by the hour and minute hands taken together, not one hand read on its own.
12:29
